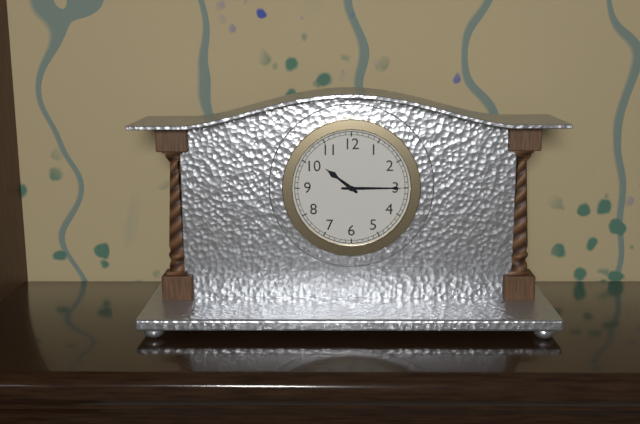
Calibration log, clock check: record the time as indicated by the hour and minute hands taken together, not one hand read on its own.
10:15
